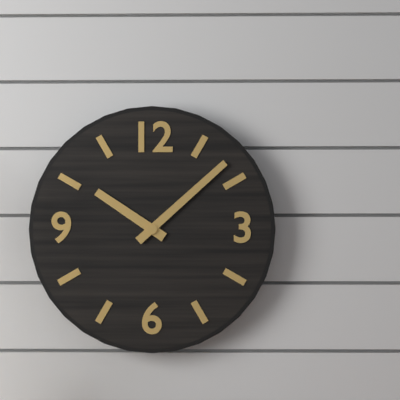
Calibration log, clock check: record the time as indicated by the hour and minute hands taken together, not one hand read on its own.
10:08
